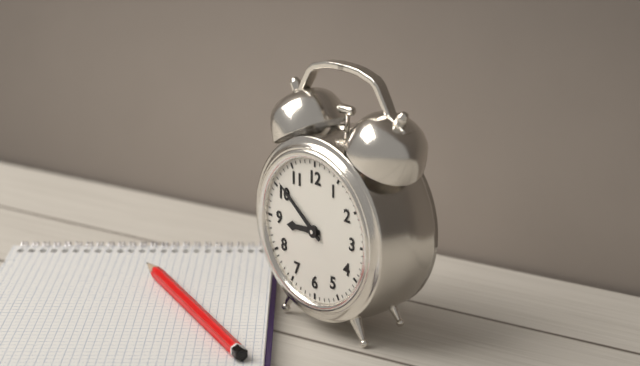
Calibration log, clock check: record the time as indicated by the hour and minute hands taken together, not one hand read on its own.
8:51
